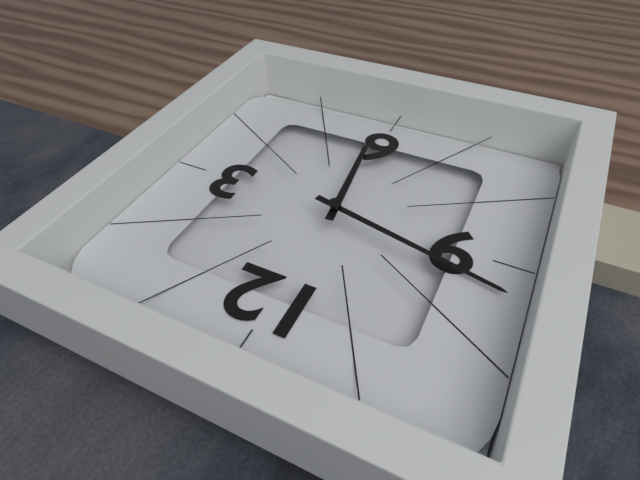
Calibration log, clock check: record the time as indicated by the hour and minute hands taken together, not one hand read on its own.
5:47
